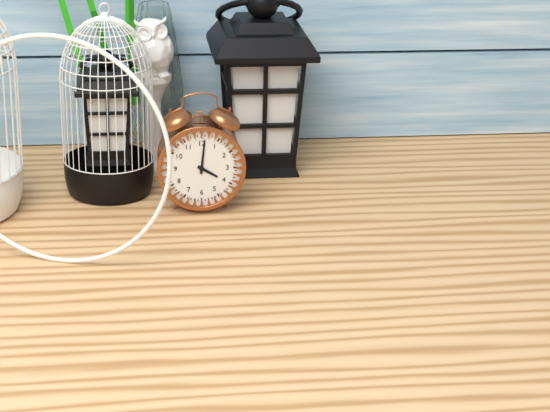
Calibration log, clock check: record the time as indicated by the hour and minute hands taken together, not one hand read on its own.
4:01
